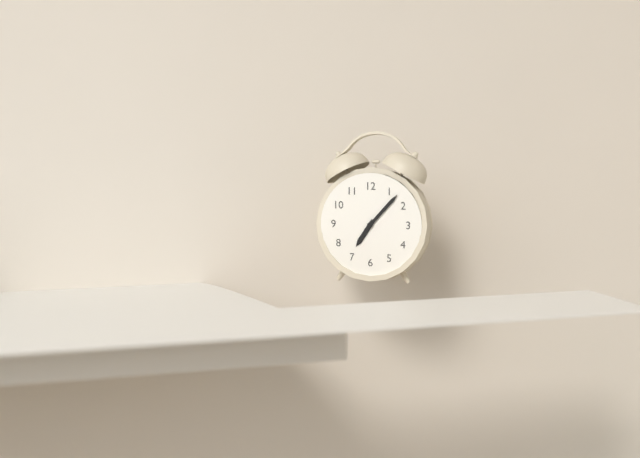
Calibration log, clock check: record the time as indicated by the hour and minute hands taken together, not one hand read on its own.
7:07
